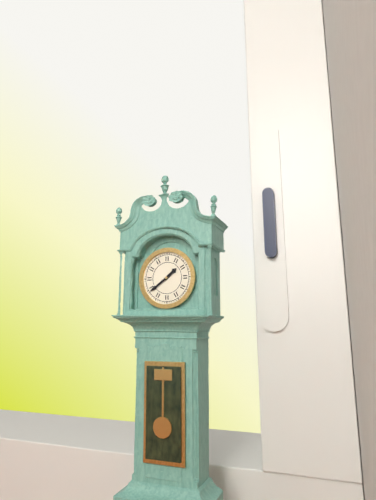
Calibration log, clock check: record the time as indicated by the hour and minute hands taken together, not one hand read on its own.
1:39
